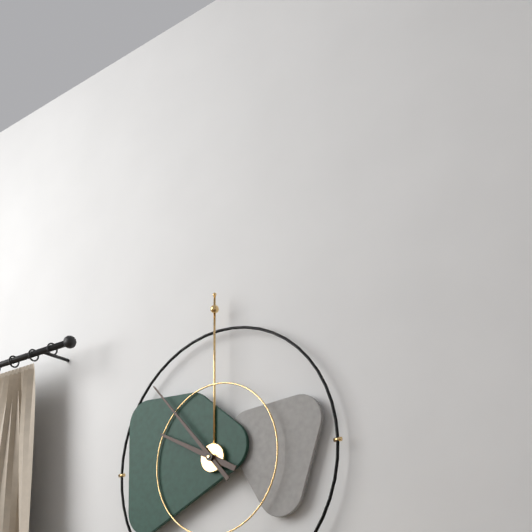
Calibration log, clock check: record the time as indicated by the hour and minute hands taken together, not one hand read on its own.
9:53
